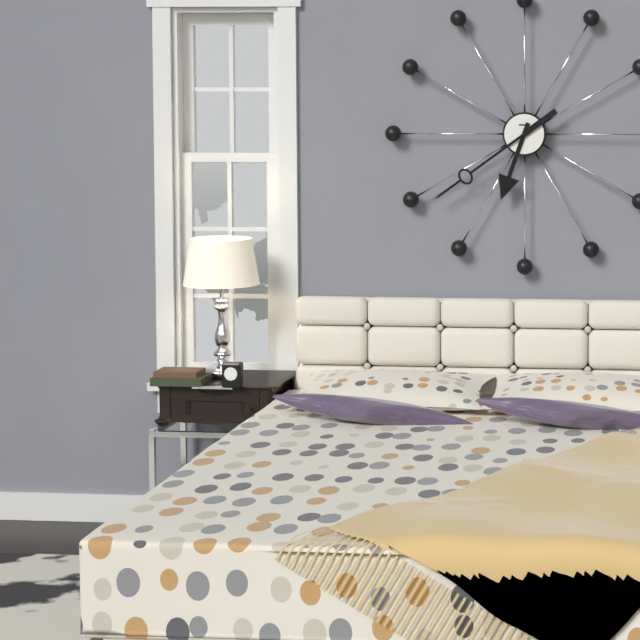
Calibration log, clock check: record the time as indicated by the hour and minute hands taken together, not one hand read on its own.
6:39
